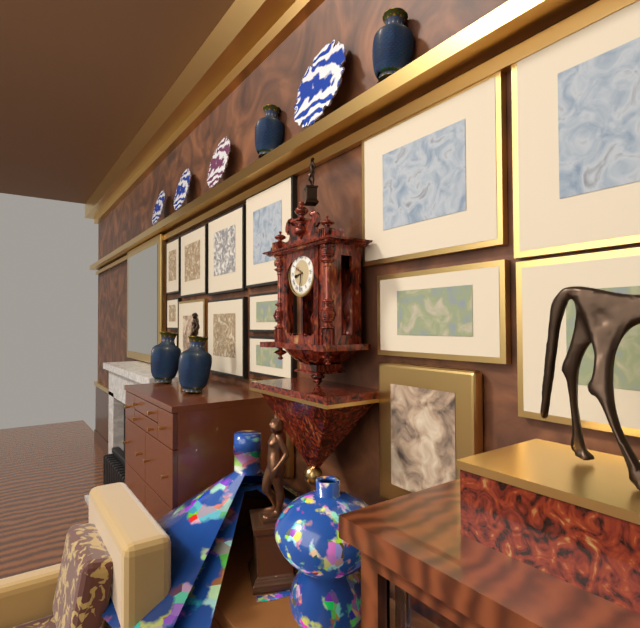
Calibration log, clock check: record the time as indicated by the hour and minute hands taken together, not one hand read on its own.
8:31
